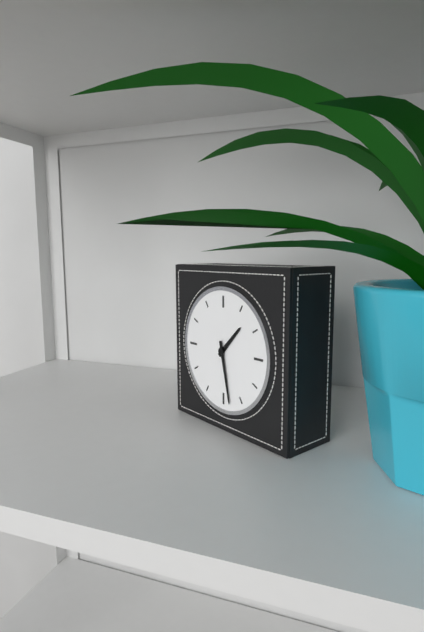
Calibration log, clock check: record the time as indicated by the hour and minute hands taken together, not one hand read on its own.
1:28
